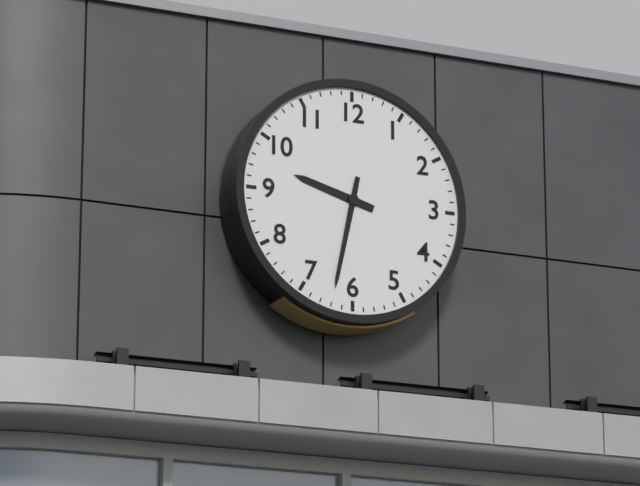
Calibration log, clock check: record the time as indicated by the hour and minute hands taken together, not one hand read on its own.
9:32
